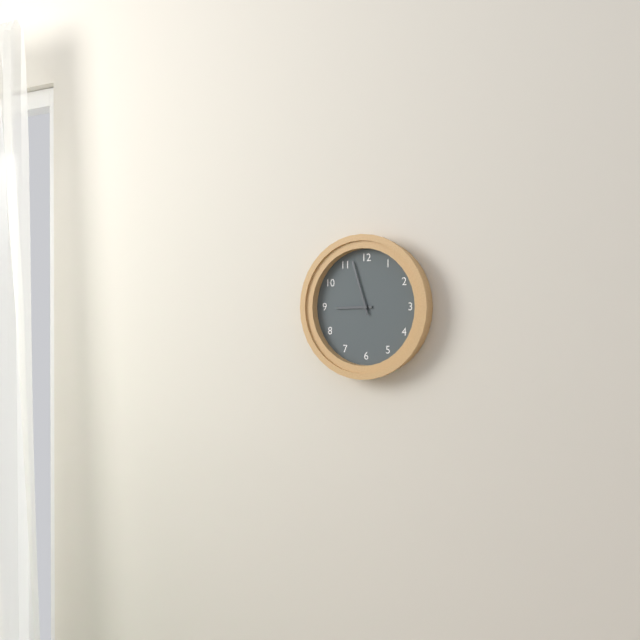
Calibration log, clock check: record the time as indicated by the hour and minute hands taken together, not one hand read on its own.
8:57
